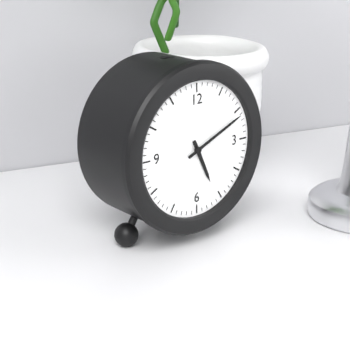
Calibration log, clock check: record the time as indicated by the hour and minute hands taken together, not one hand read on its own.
5:11
